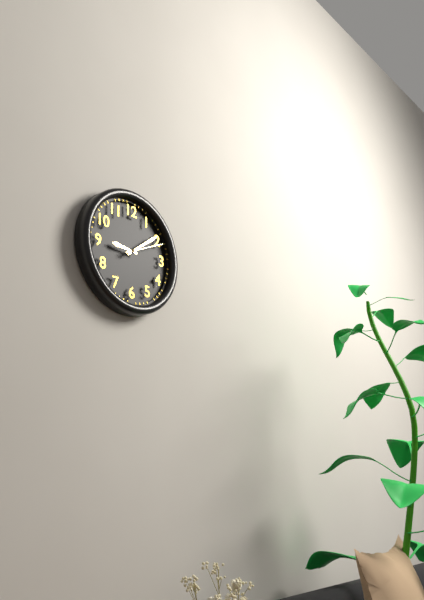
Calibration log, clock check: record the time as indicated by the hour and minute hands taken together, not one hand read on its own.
9:09
